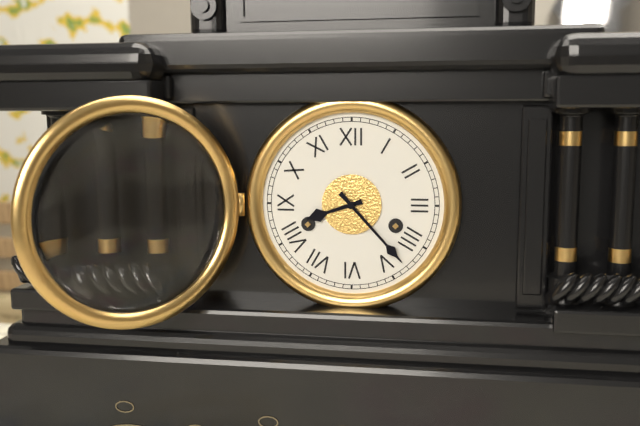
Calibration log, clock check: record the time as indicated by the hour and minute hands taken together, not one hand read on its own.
8:23
